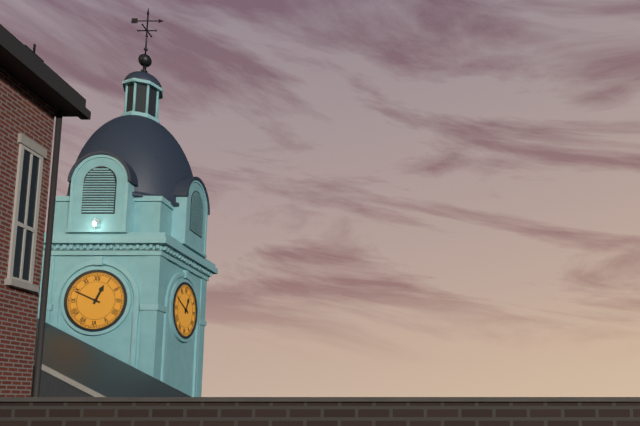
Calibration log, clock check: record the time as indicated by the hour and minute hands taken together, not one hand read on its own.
12:49
